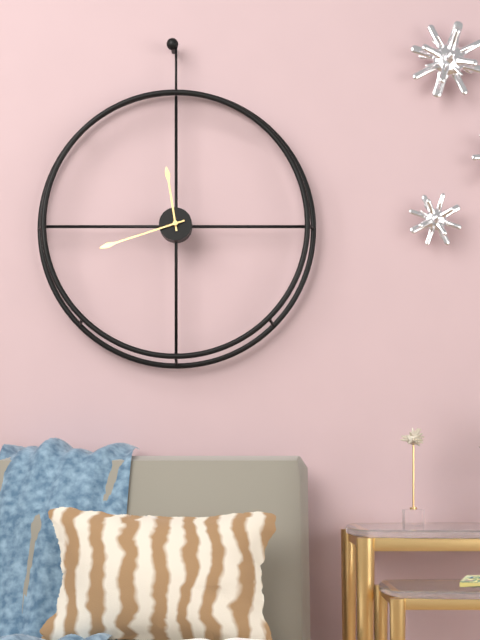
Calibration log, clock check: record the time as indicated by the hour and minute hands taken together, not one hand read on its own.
11:42
